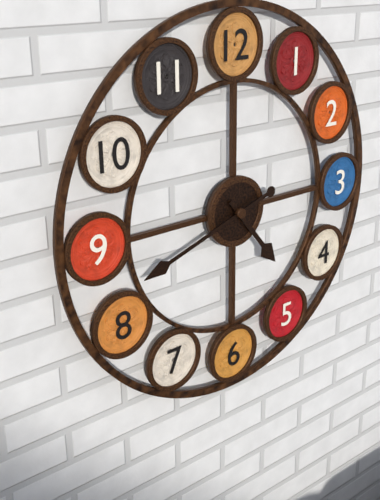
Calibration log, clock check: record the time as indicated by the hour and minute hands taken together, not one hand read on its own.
4:42
